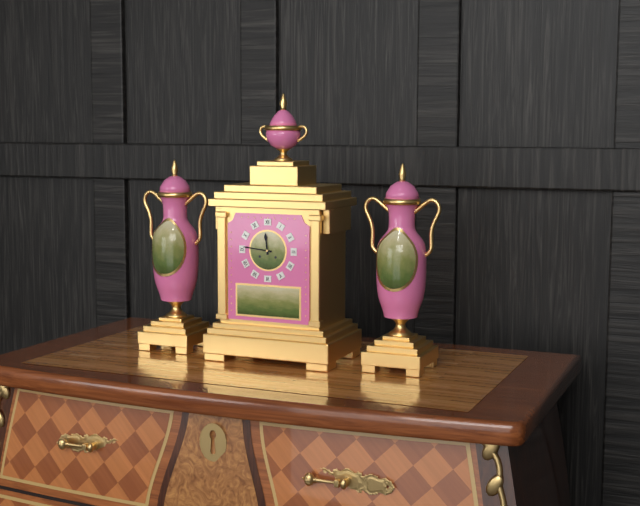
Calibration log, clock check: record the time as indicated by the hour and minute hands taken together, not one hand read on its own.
11:46
